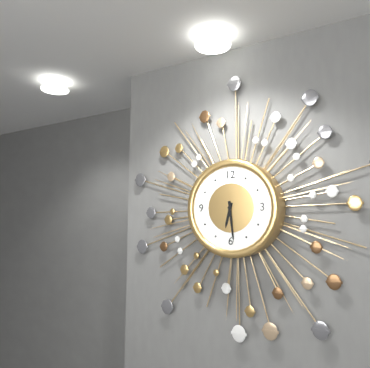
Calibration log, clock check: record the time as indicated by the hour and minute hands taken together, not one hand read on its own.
6:29
